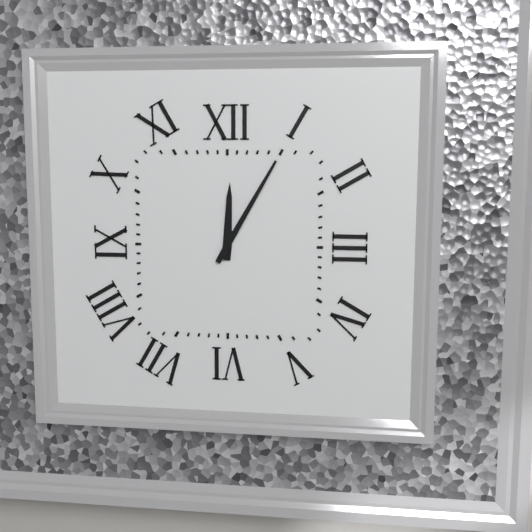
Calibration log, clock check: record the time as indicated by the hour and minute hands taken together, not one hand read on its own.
12:05
